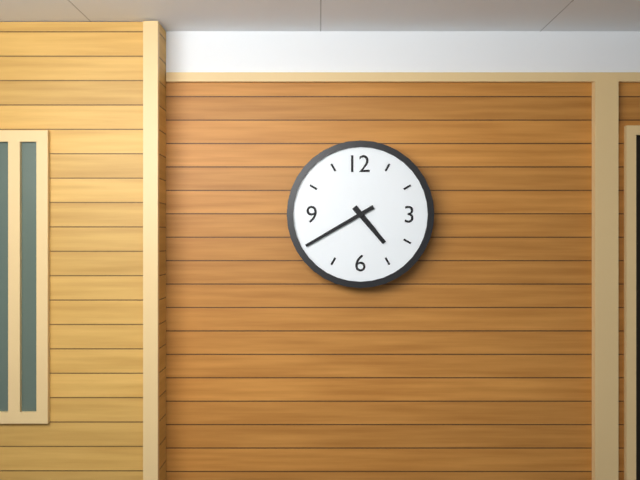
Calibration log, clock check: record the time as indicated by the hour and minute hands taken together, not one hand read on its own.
4:40
